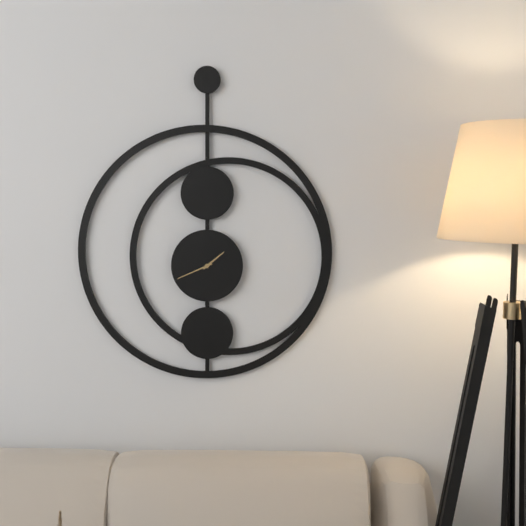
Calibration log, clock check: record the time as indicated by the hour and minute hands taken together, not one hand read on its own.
1:41
